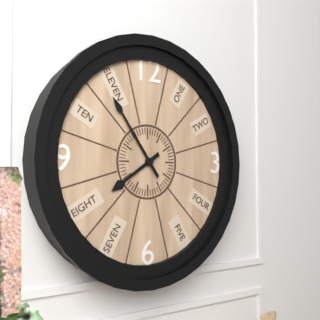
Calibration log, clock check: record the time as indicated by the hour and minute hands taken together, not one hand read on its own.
7:54
